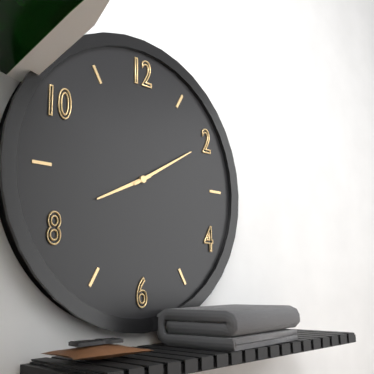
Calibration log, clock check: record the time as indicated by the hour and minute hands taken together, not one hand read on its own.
8:10
